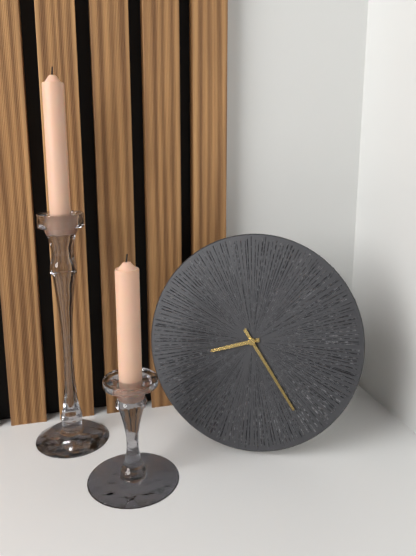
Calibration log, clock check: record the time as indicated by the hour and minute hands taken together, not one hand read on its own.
8:24
